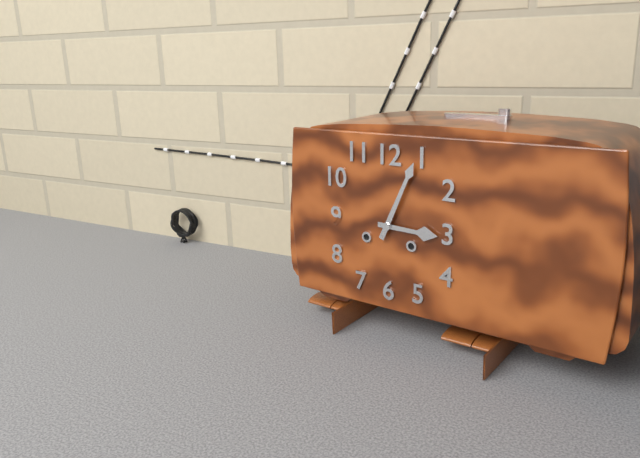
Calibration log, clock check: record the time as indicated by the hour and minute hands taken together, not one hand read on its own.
3:04
